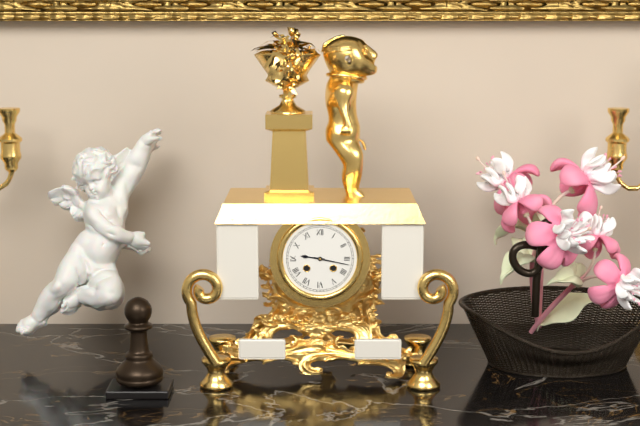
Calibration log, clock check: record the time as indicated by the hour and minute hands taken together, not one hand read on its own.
9:17
